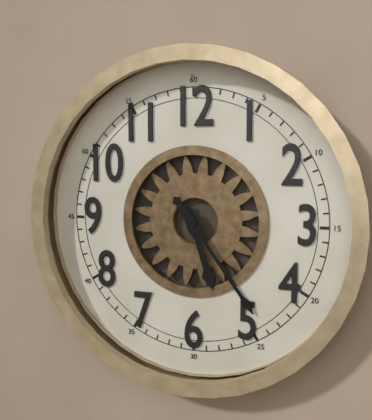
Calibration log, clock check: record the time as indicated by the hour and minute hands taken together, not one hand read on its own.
5:24
